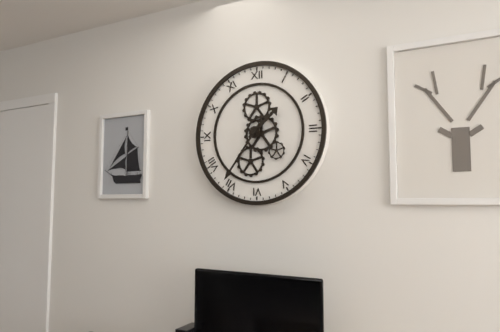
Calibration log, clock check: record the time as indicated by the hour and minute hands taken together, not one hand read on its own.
1:36
